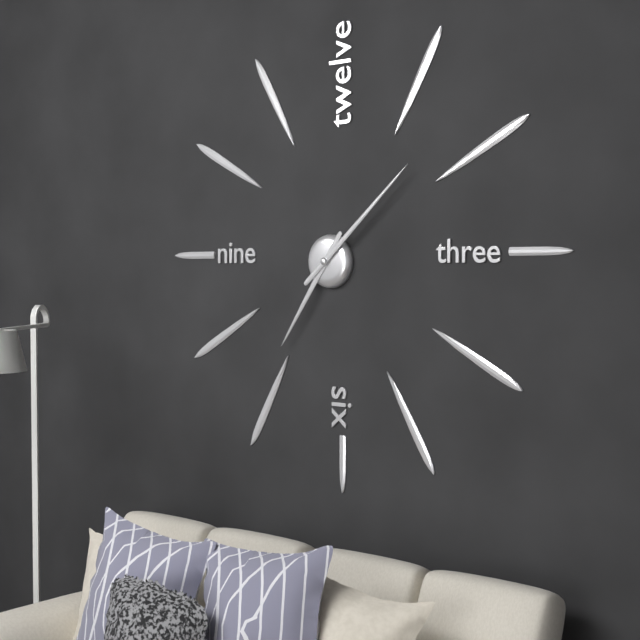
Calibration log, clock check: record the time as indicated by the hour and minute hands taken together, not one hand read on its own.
7:08
